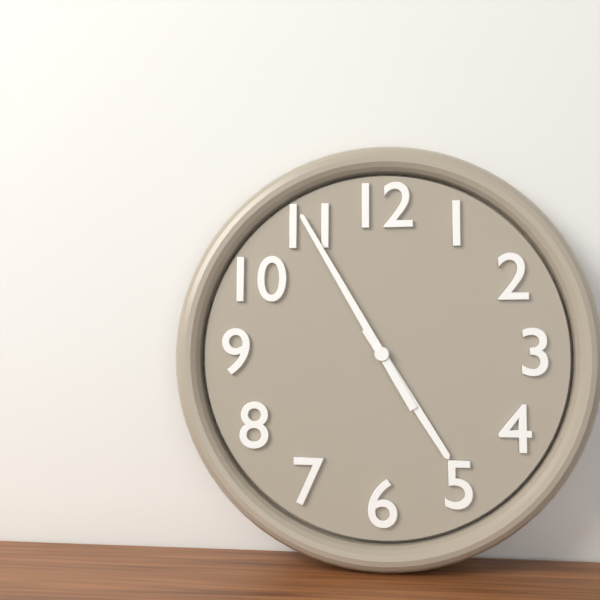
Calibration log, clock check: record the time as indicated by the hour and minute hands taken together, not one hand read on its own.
4:55
